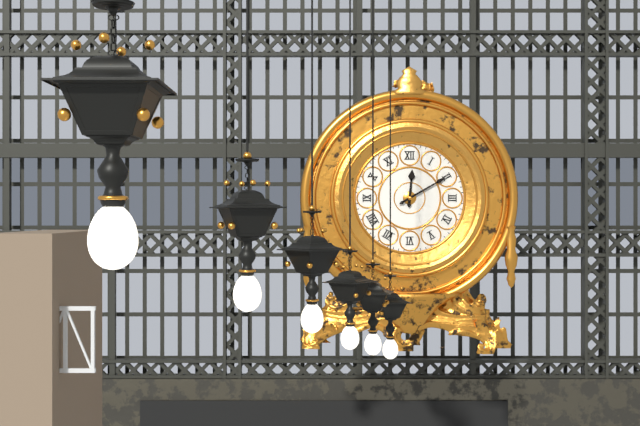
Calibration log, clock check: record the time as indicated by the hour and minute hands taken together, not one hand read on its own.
12:10
